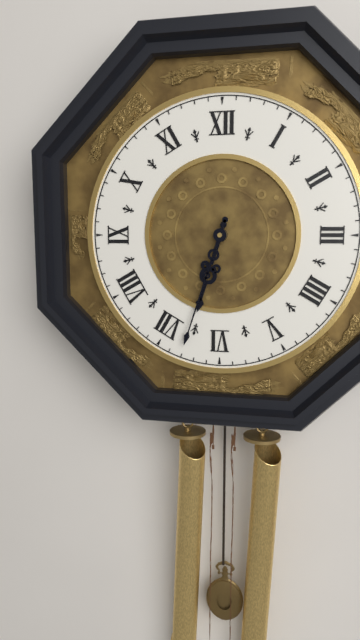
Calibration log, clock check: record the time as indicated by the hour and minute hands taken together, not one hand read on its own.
6:33
